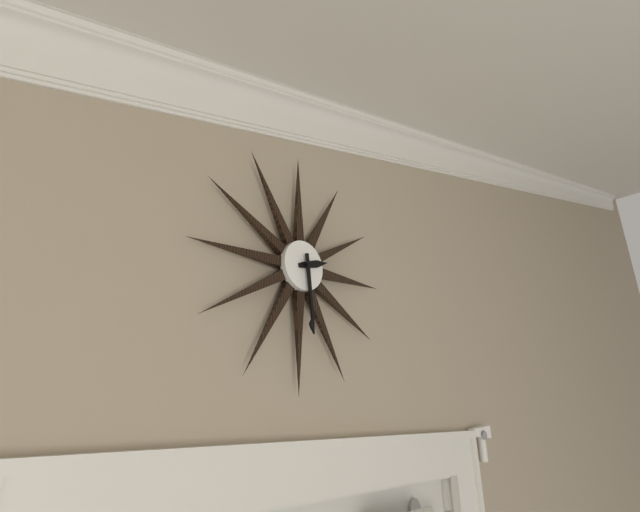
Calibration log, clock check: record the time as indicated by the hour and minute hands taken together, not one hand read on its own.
2:29
